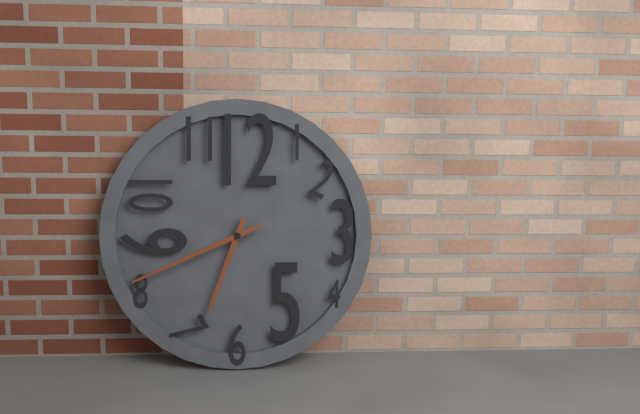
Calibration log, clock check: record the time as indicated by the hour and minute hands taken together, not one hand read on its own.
6:41
